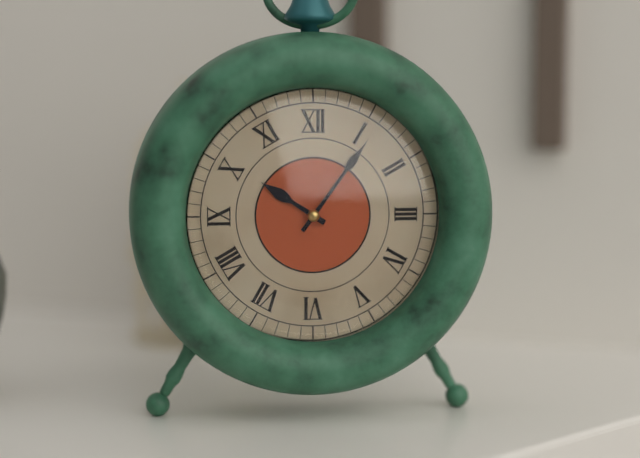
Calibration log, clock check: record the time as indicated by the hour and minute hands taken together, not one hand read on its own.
10:06
